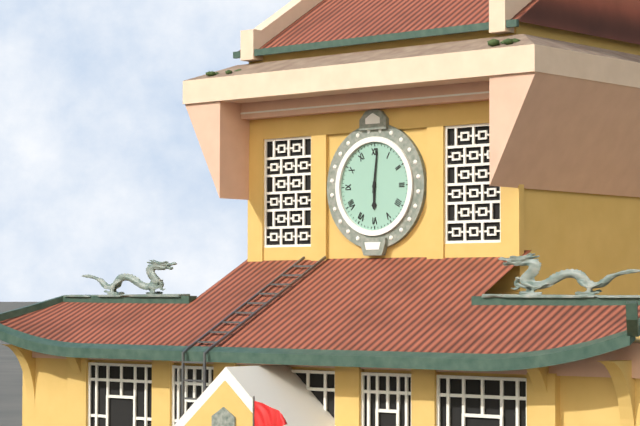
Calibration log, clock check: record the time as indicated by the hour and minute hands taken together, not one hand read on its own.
6:01
